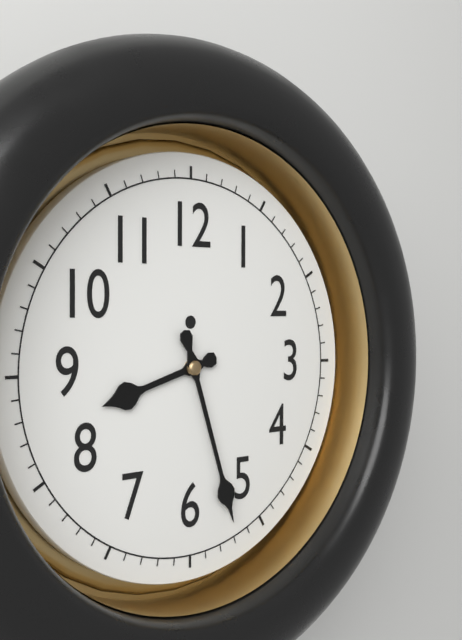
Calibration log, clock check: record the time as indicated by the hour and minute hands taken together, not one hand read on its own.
8:27
